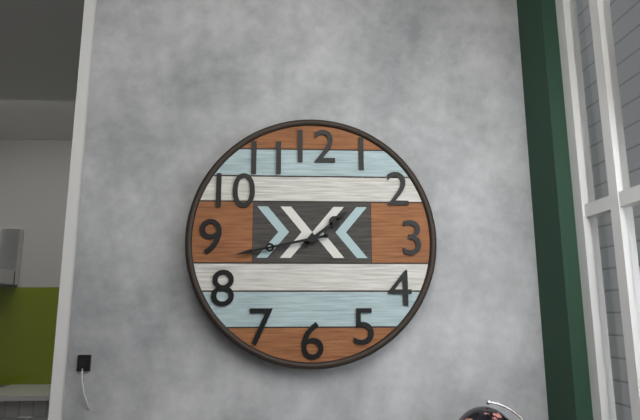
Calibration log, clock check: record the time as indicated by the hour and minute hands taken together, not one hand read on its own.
1:43
